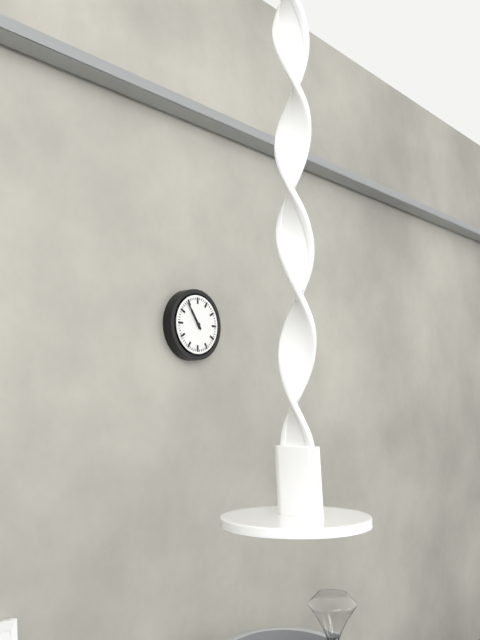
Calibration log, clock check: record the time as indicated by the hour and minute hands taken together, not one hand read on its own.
10:54
